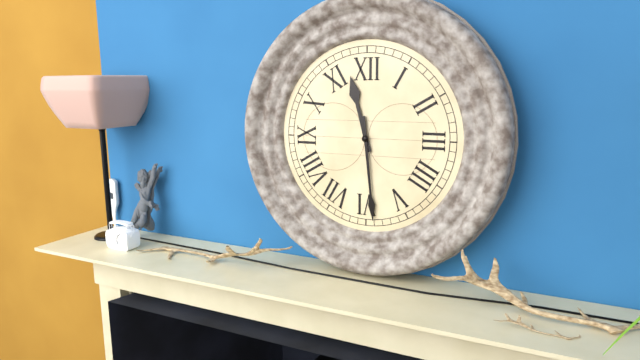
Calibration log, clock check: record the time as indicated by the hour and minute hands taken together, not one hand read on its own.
11:29
